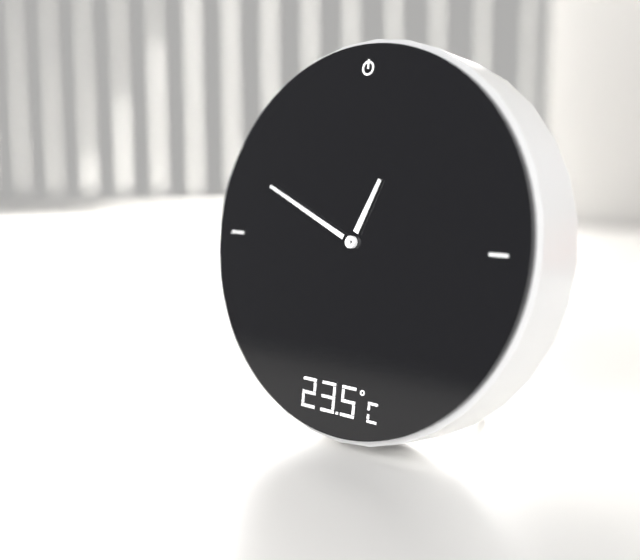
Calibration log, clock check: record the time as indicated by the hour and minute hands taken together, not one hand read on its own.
12:49
